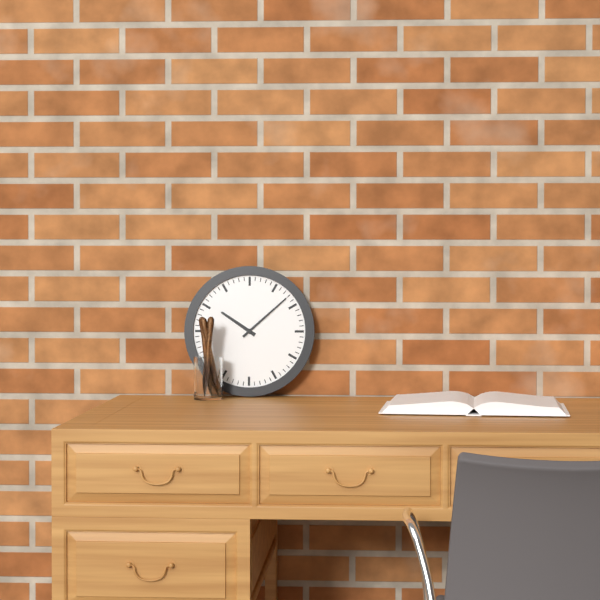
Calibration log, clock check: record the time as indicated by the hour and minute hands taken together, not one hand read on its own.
10:08
